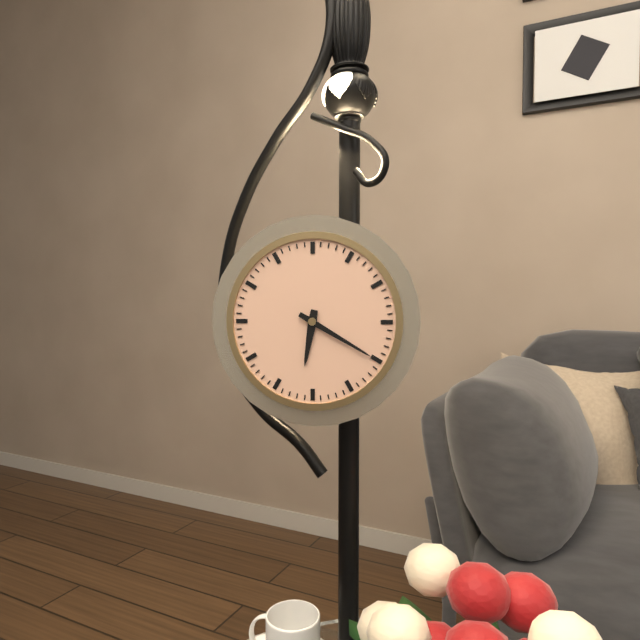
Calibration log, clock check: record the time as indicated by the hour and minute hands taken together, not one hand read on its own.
6:20
